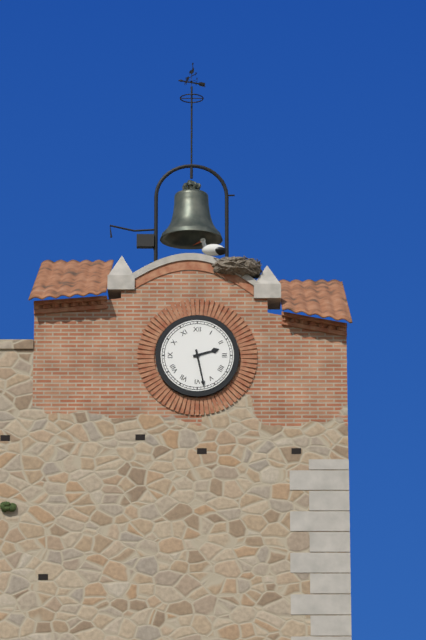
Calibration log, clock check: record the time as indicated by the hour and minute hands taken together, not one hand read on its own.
2:28
